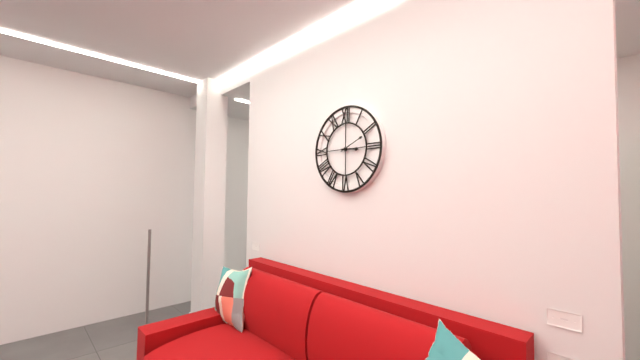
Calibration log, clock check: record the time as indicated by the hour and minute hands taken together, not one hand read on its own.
3:11
